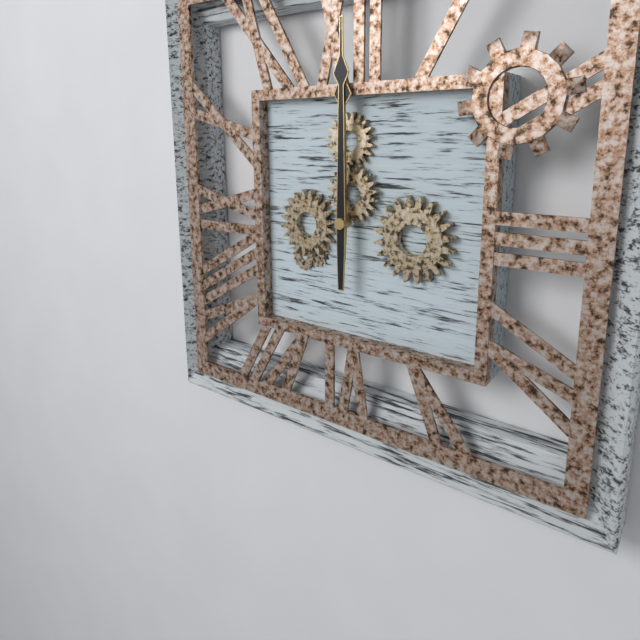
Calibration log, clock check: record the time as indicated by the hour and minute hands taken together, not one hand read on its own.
12:00
